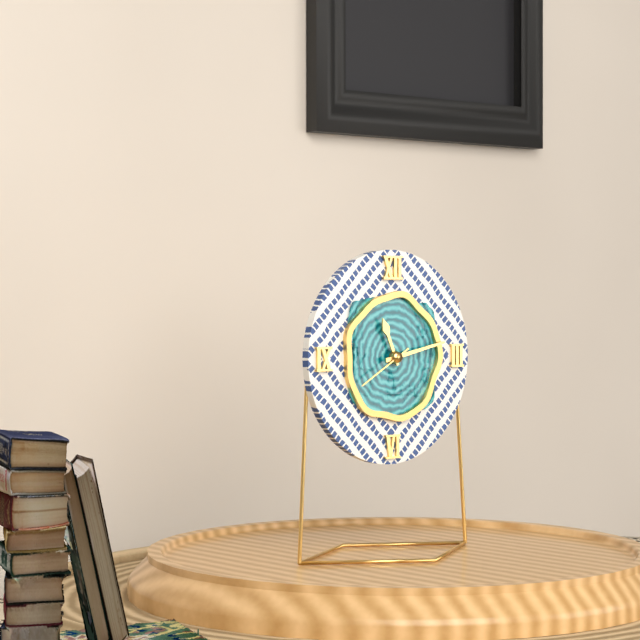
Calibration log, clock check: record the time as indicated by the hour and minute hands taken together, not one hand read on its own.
11:13
